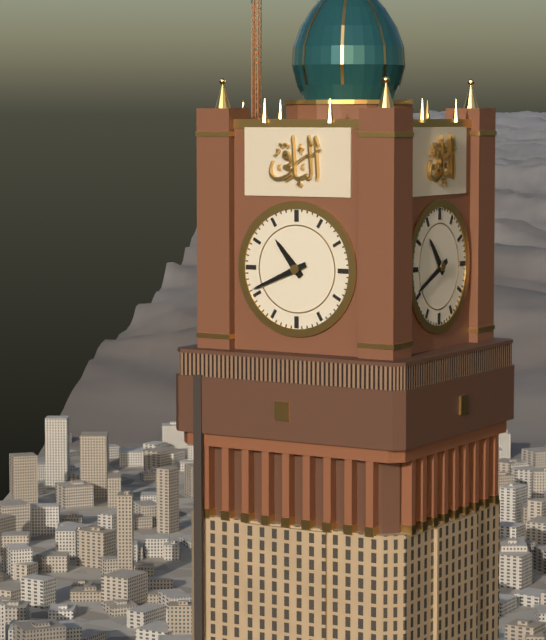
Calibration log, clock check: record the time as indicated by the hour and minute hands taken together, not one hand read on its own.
10:41
